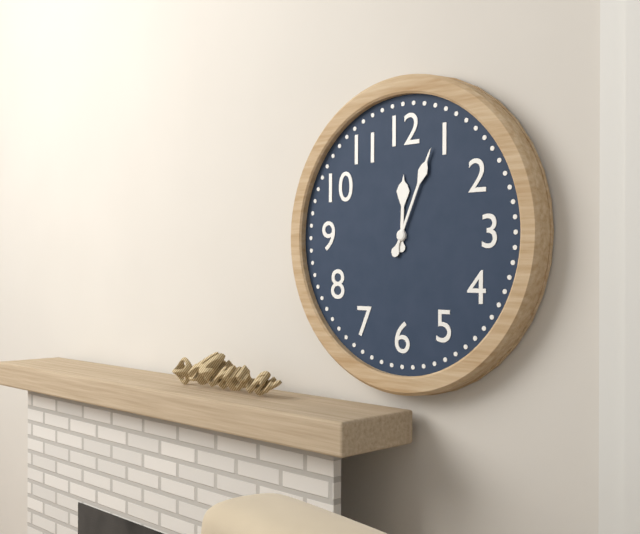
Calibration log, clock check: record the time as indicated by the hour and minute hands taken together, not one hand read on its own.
12:04
